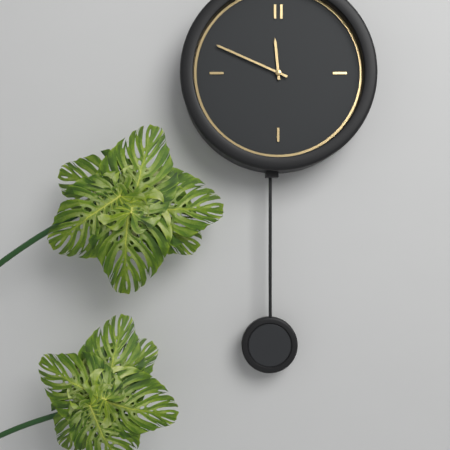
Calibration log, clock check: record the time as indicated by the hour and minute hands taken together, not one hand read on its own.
11:49
